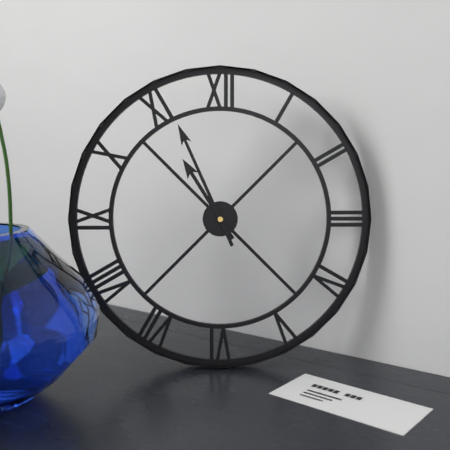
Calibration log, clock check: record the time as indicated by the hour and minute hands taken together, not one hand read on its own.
10:56
